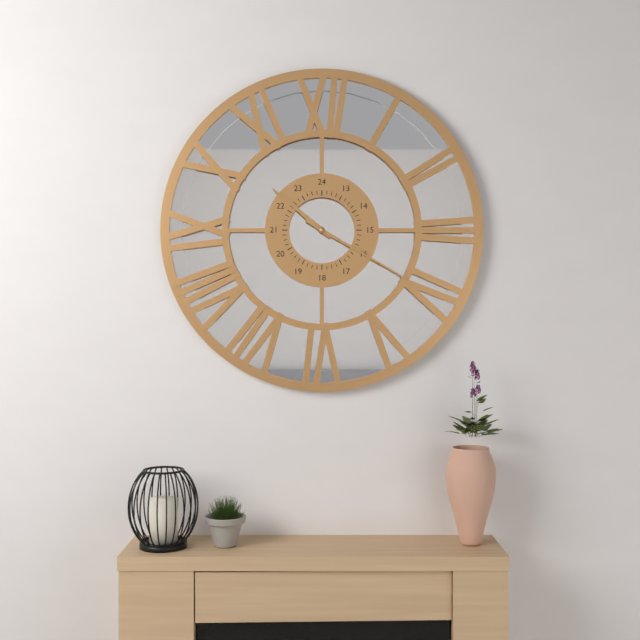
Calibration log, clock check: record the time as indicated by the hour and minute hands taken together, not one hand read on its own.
10:20
